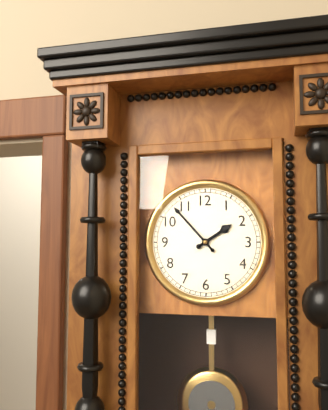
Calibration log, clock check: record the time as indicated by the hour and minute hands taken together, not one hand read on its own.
1:53
